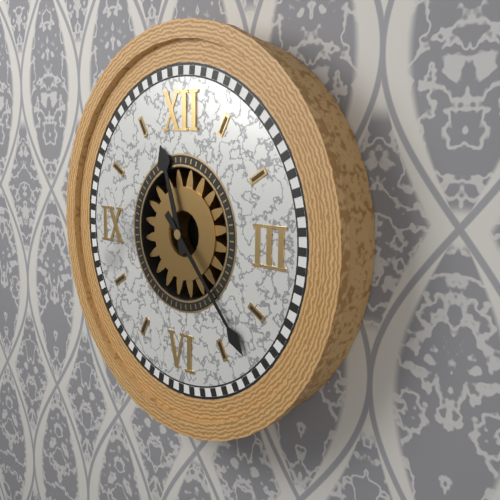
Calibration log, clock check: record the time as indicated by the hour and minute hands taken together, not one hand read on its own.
11:23
